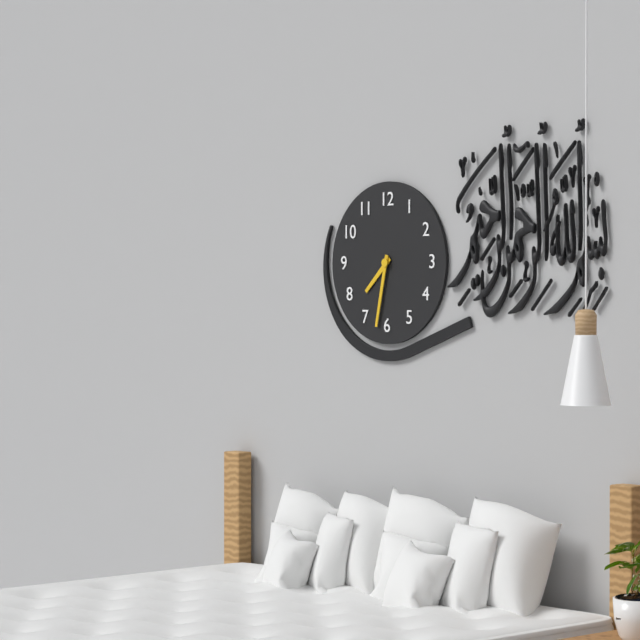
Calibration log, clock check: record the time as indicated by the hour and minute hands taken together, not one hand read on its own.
7:32
